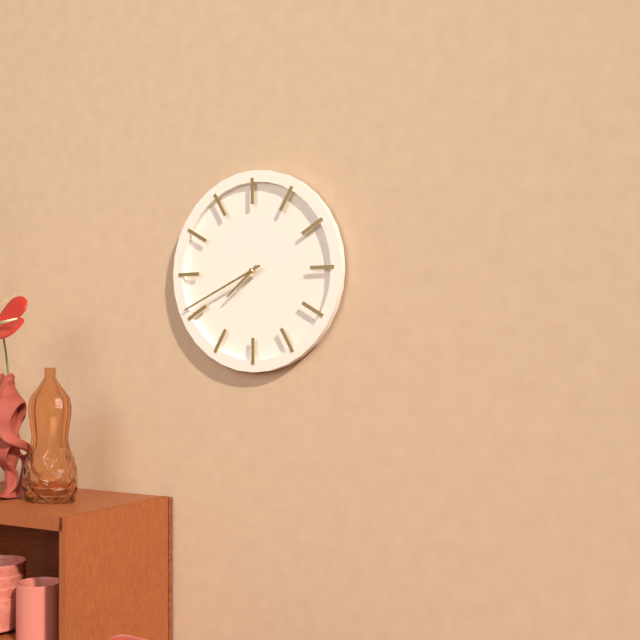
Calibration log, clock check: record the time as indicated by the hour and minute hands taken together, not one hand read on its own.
7:41
